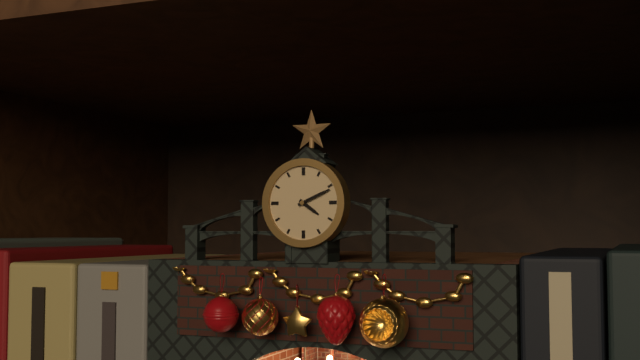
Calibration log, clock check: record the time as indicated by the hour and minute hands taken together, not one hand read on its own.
4:11
